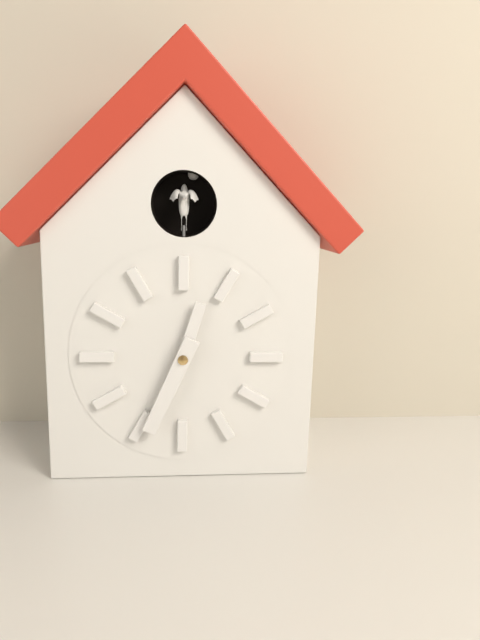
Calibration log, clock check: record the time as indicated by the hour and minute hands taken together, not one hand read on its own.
12:34
